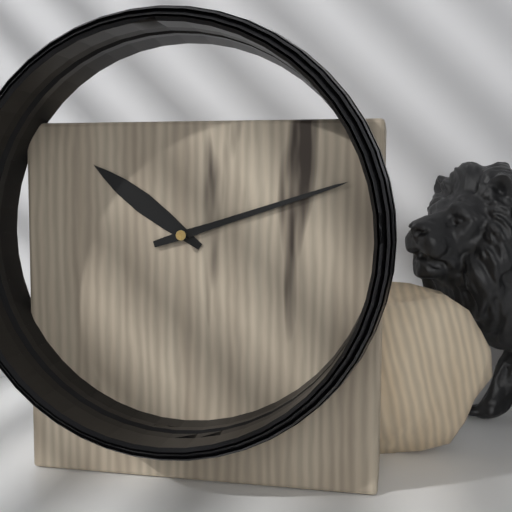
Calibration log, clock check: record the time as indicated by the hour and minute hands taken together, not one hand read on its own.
10:12
